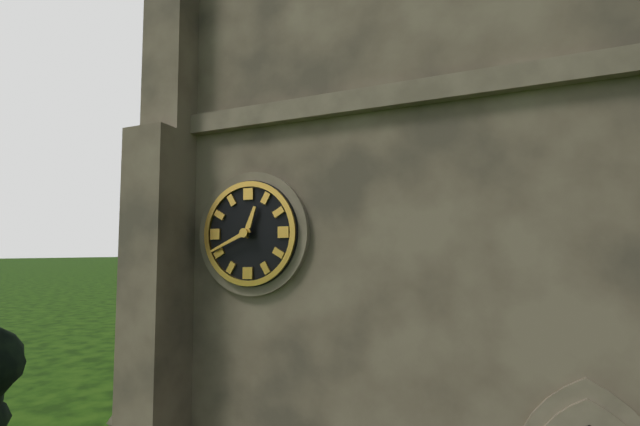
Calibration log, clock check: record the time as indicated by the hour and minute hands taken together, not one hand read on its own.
12:41
